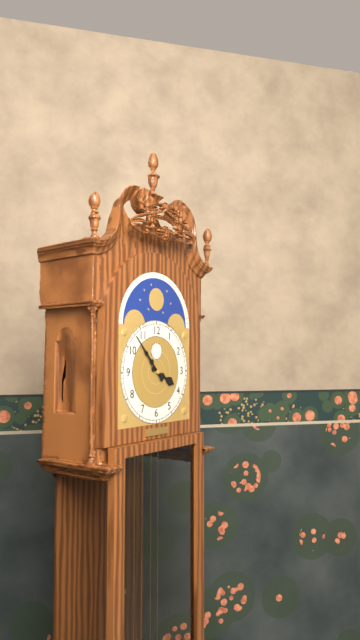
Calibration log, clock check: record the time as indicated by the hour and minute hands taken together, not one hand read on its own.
3:53
